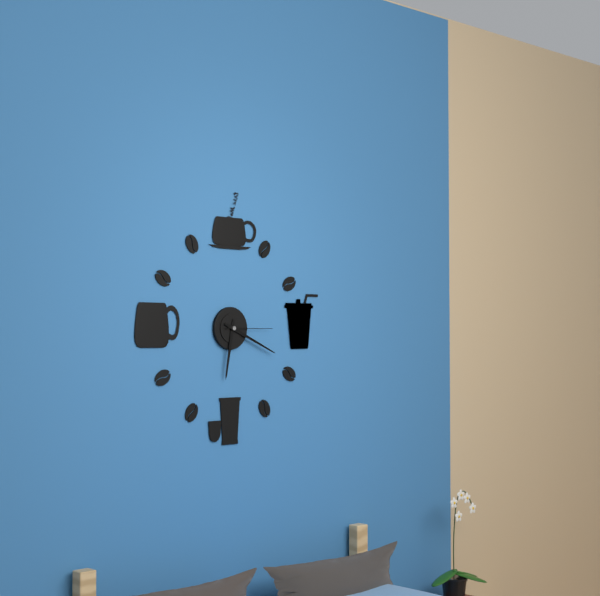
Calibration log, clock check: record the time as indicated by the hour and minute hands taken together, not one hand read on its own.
6:19
